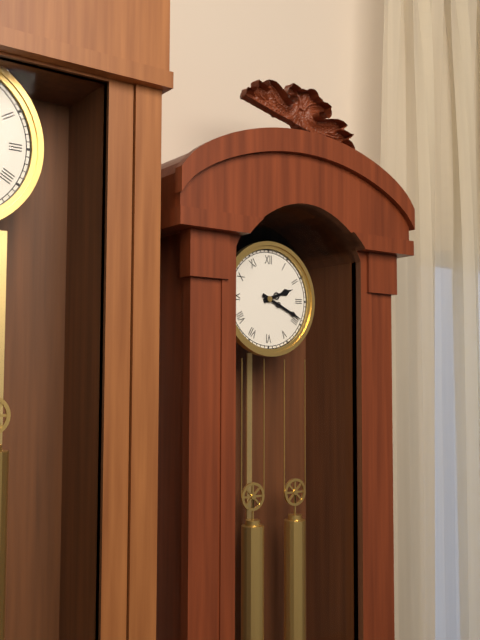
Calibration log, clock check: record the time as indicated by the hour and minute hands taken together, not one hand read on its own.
2:19
